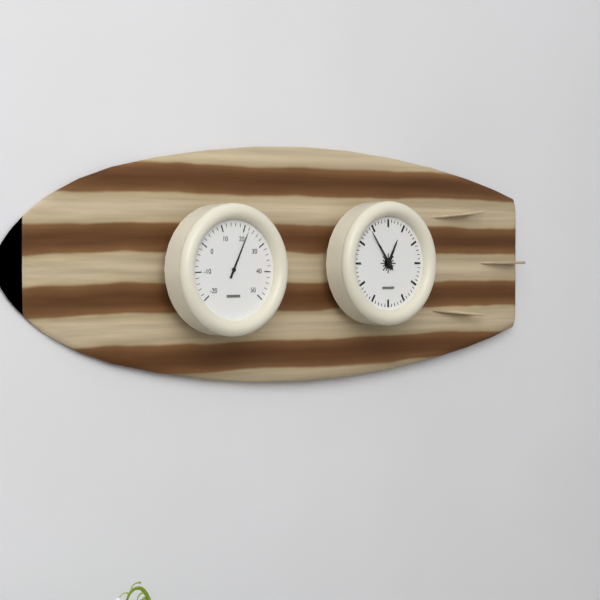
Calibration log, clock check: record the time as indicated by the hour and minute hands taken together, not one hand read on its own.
12:54
